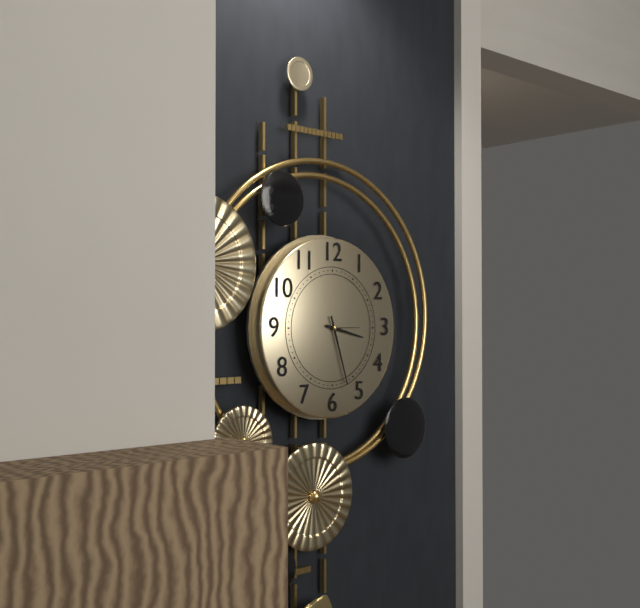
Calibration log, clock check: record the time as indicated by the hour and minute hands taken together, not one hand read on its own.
3:27
